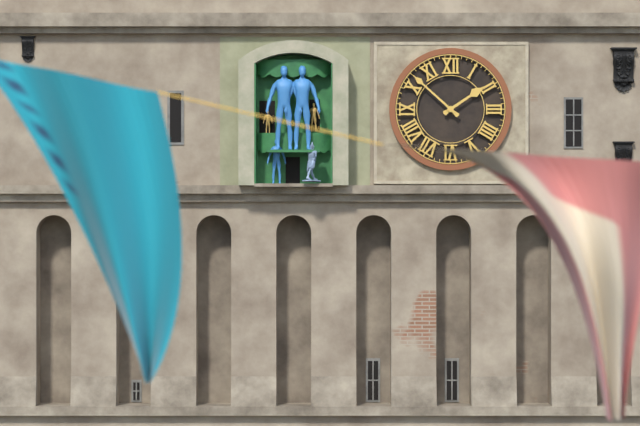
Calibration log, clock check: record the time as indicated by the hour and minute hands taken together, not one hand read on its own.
1:52
